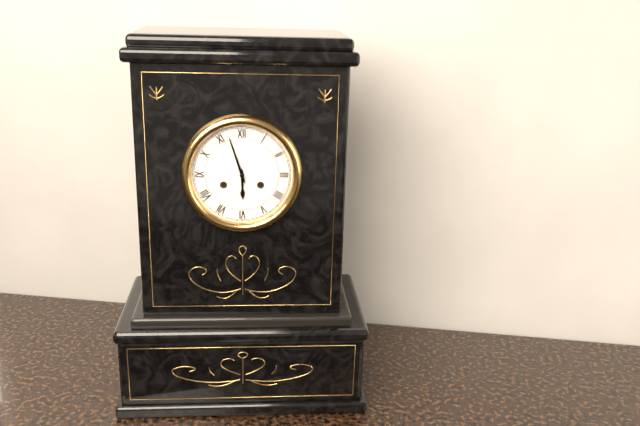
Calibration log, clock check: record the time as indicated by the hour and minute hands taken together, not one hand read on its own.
5:57
